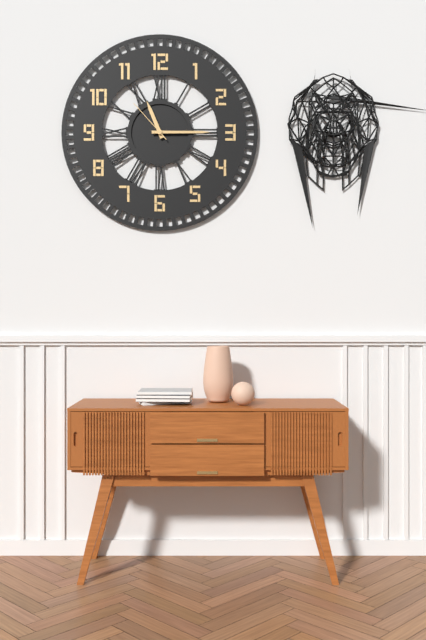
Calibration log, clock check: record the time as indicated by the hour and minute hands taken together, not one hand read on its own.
11:15
